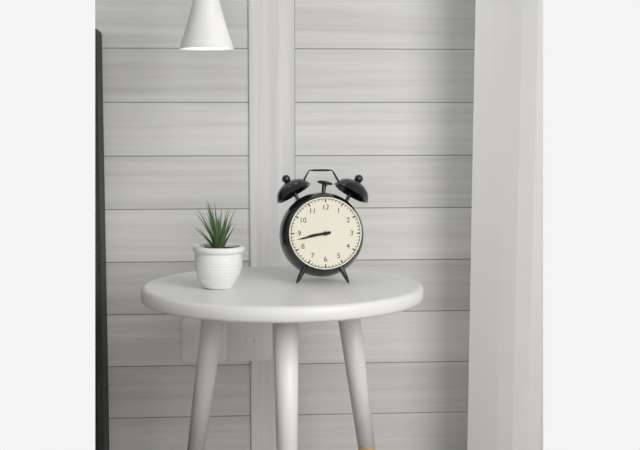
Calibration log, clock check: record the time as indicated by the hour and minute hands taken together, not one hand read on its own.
8:43
